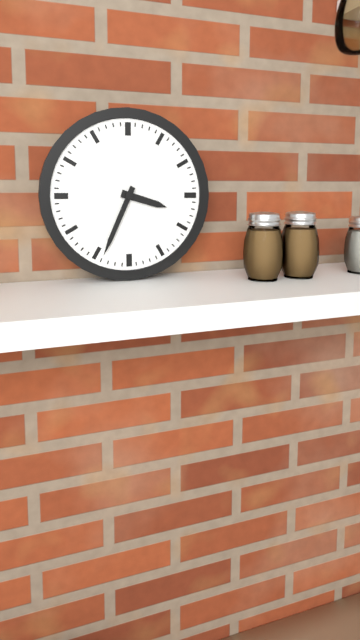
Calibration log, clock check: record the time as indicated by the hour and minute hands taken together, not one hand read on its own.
3:34
